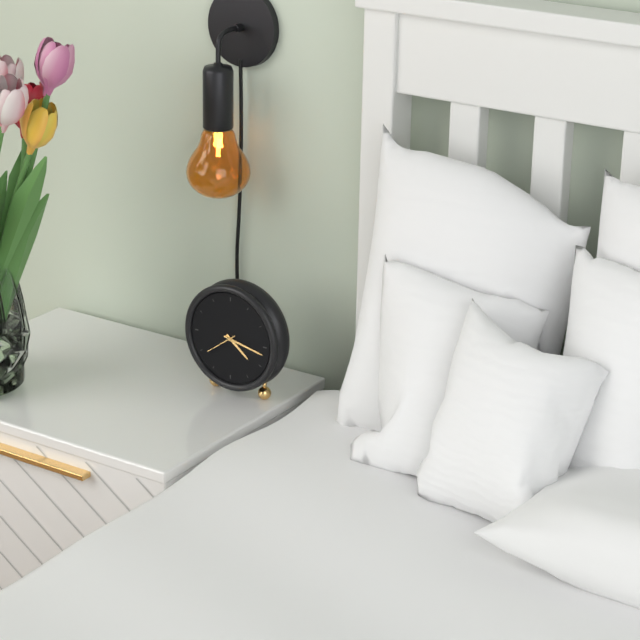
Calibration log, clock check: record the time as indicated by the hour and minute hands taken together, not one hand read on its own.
4:17
